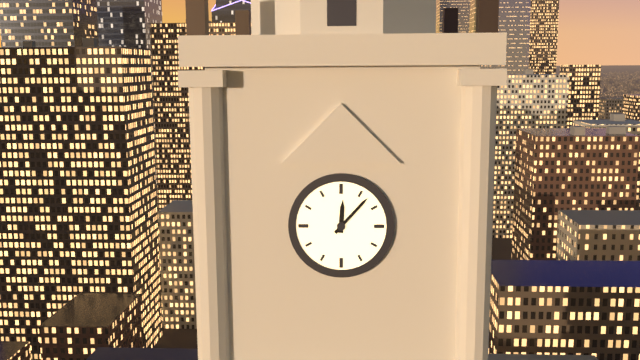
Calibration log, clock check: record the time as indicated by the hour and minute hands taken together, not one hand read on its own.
12:07
